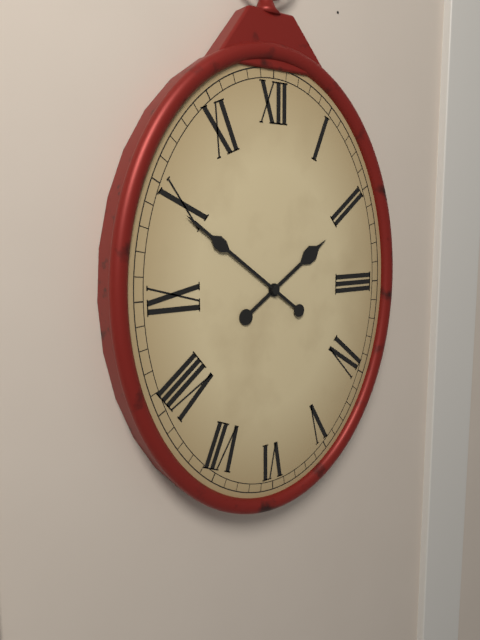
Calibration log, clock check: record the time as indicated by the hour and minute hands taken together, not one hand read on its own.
1:51
